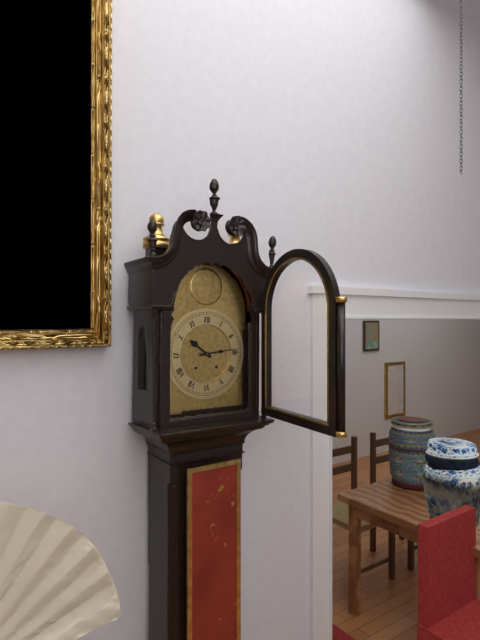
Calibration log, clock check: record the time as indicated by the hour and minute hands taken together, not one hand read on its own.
10:14
